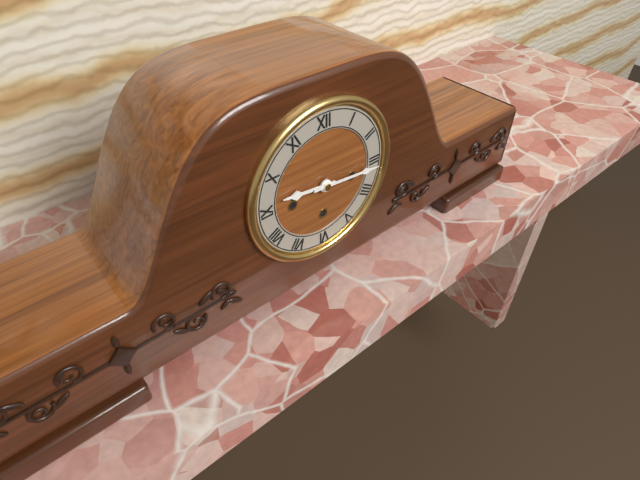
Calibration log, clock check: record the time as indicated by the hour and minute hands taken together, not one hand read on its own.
9:16
